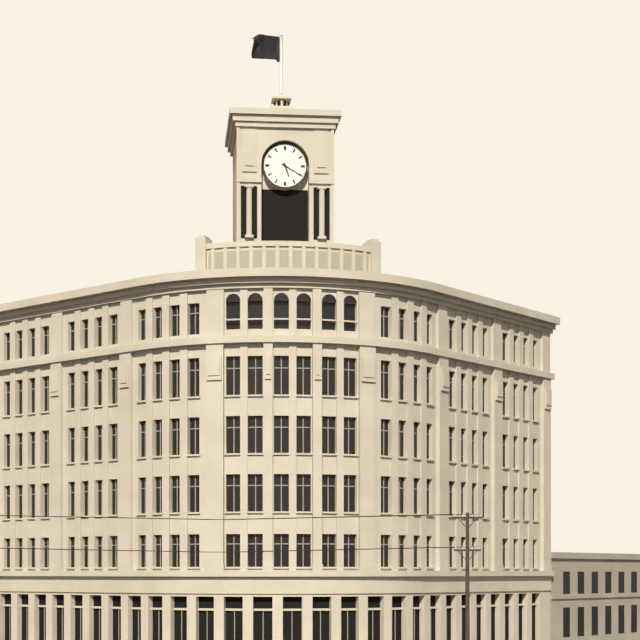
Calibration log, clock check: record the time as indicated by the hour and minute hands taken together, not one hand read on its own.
5:20
